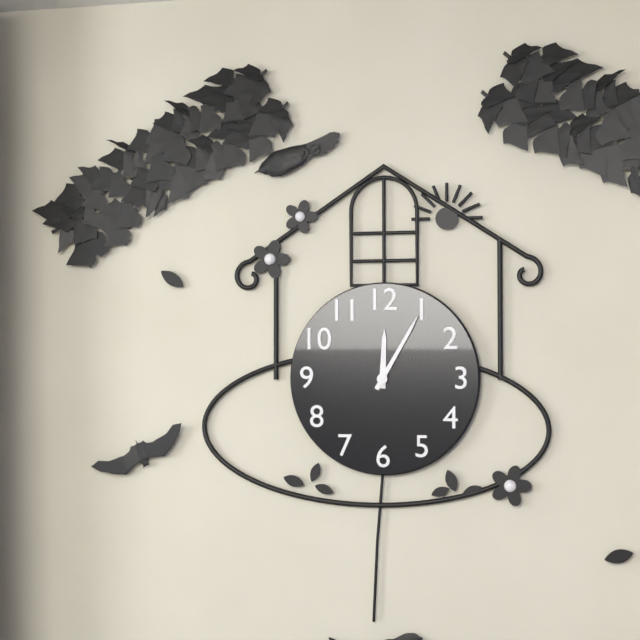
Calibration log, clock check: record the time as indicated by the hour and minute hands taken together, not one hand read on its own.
12:05
